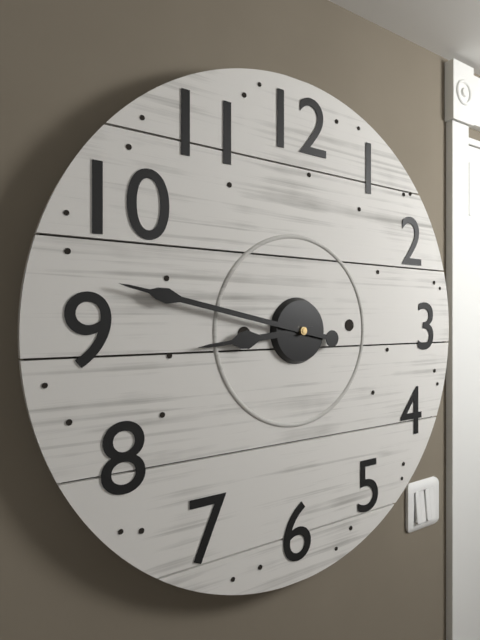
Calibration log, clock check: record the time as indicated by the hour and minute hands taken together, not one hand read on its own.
8:47
